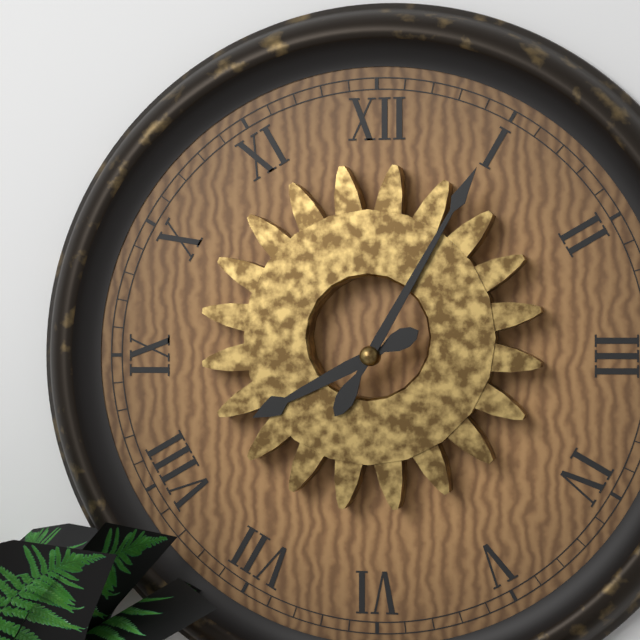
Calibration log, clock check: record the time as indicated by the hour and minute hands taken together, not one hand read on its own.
8:05
